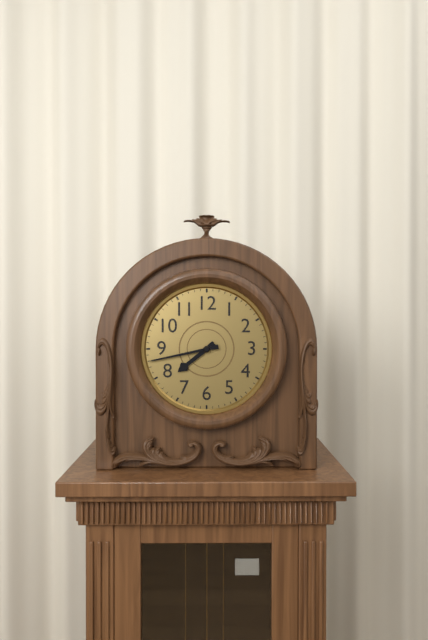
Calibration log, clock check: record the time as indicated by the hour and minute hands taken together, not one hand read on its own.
7:43
